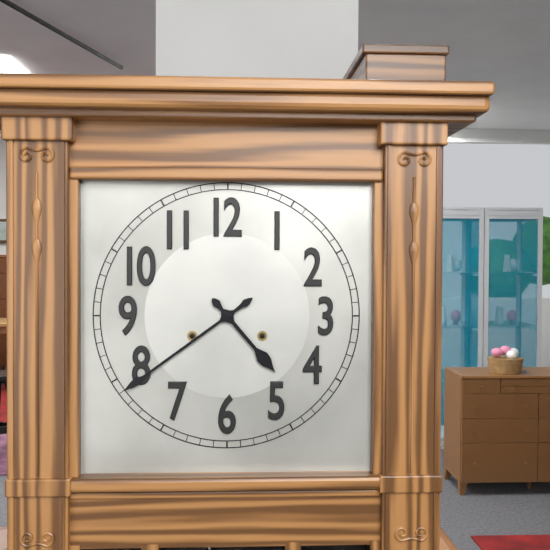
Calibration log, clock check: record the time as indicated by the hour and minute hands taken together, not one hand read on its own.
4:39
